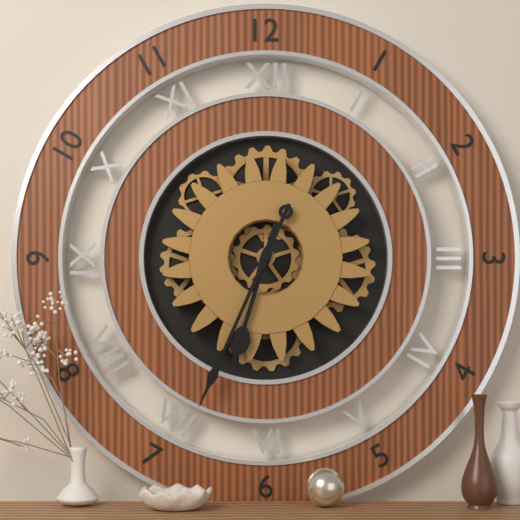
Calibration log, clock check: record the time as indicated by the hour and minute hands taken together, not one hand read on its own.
6:34
